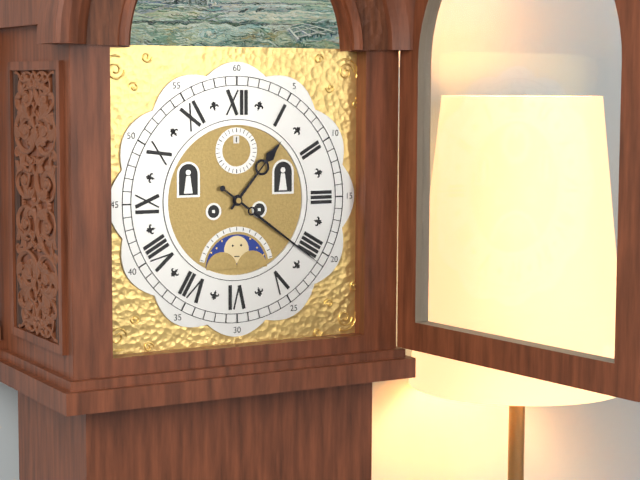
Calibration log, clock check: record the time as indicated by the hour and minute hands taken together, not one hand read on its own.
1:21
